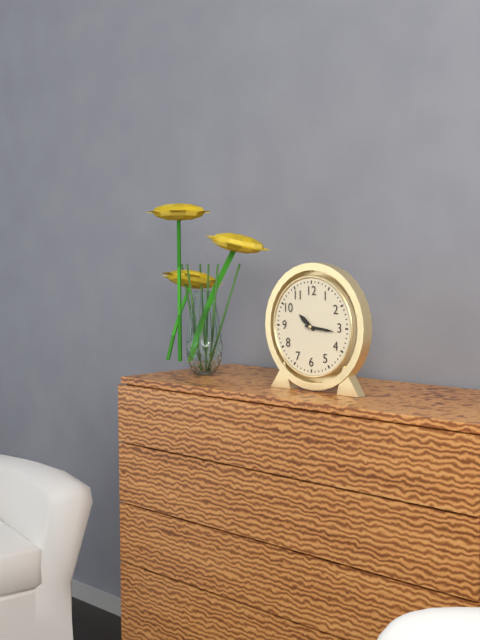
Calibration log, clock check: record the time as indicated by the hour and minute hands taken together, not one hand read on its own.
10:16
